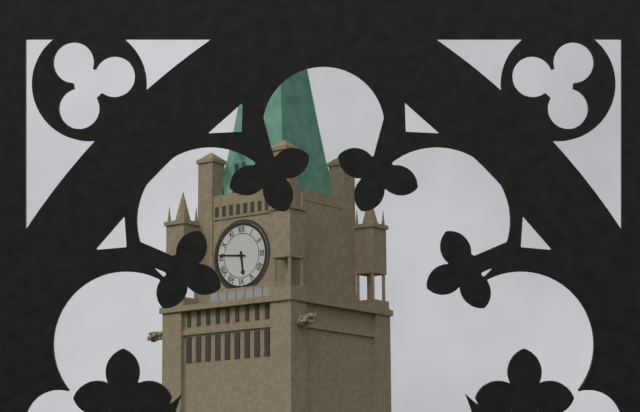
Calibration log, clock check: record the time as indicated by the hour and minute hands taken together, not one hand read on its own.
5:46
